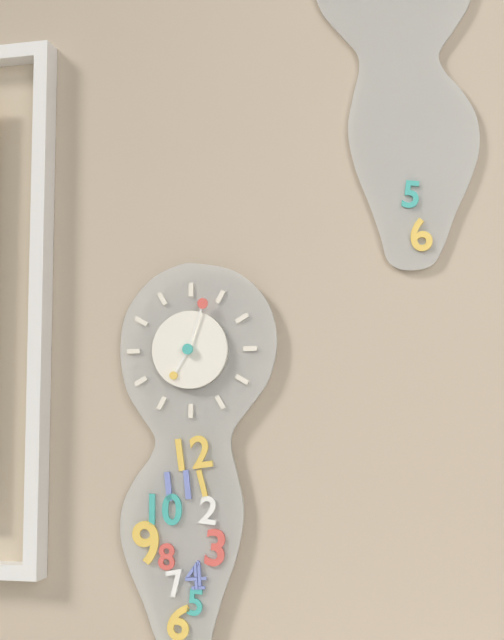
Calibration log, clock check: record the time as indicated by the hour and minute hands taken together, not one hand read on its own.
7:03
